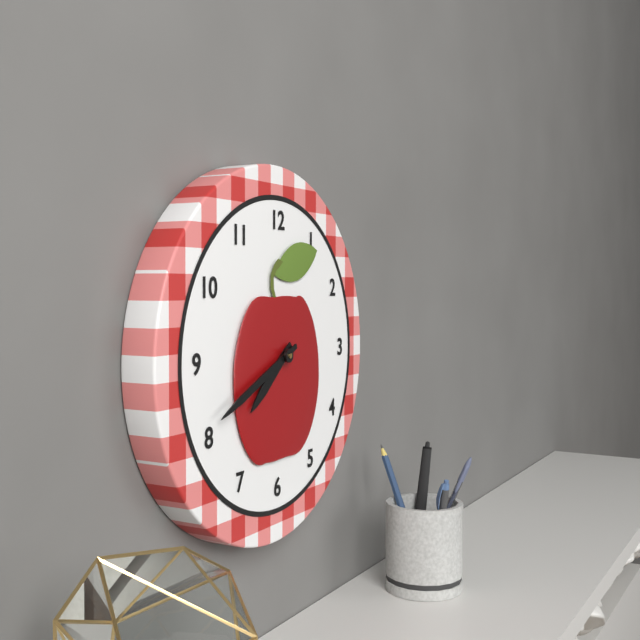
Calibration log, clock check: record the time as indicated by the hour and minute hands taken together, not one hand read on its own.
7:41
